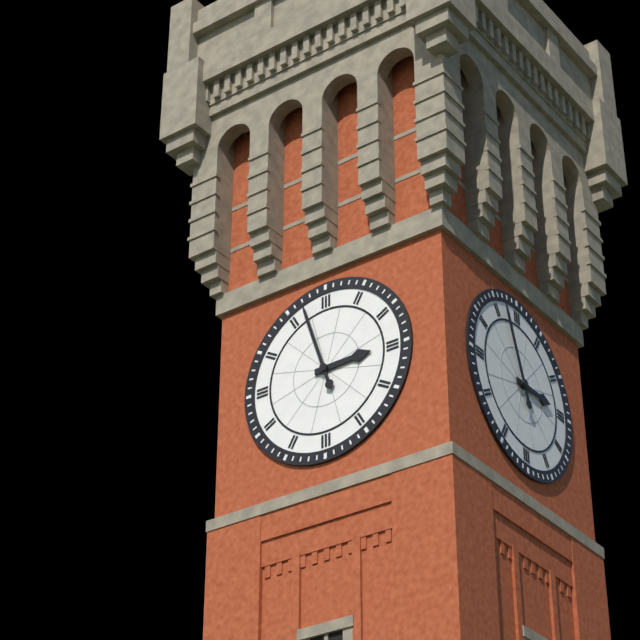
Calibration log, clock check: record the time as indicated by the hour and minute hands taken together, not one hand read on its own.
2:57
